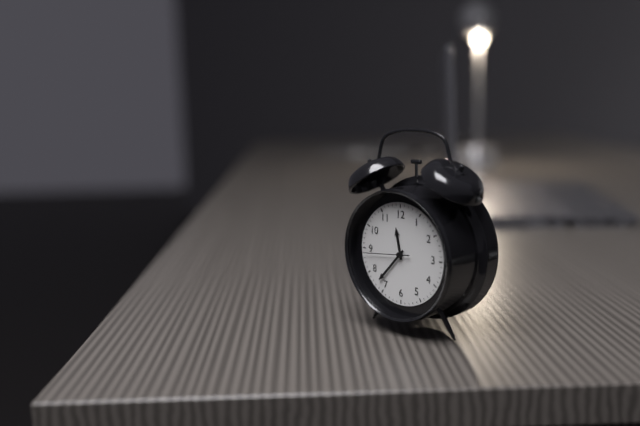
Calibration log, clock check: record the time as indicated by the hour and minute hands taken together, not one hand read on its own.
11:37
